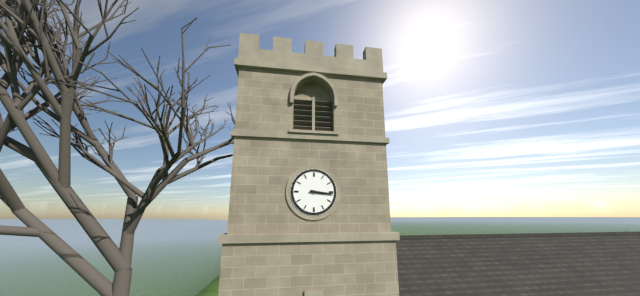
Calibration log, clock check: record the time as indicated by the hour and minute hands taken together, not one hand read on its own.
3:16
